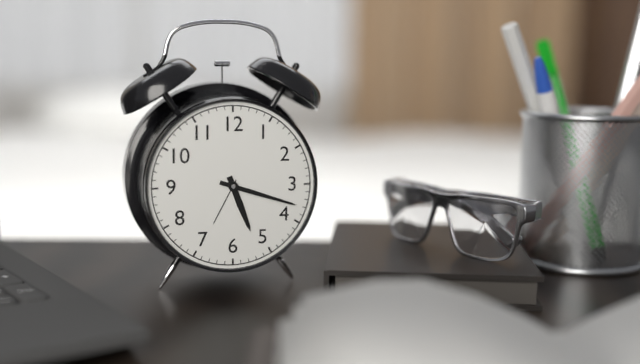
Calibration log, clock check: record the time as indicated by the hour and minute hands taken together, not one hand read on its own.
5:18
